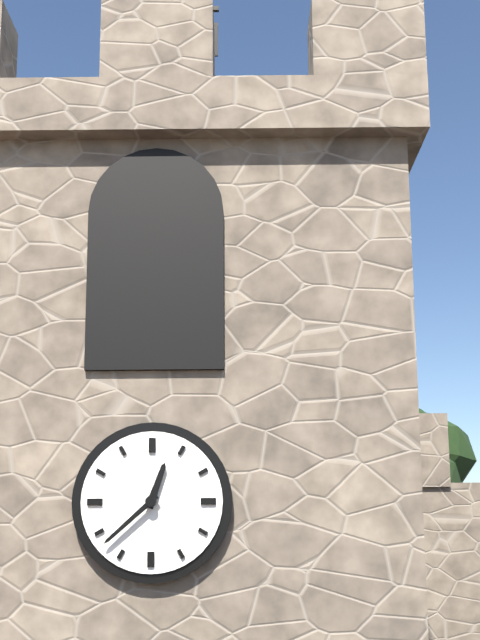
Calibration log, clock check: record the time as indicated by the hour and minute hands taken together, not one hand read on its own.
12:38
